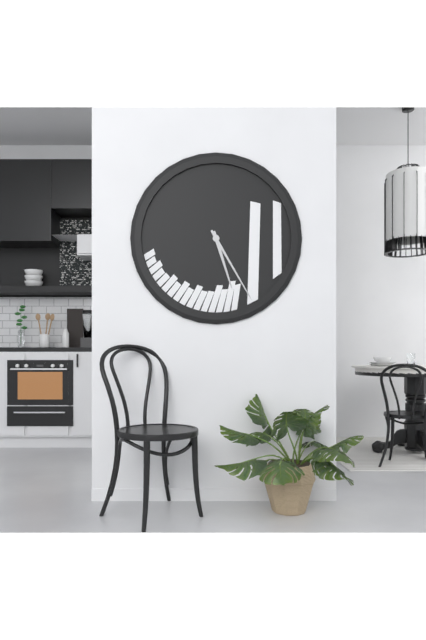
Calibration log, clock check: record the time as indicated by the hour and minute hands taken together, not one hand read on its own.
5:25
